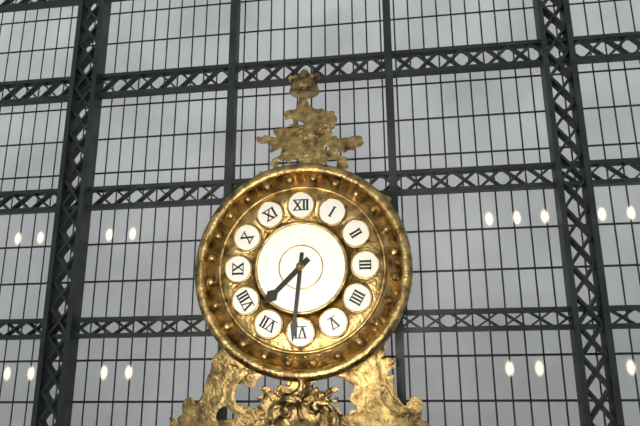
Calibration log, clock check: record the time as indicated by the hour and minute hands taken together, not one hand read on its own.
7:31
